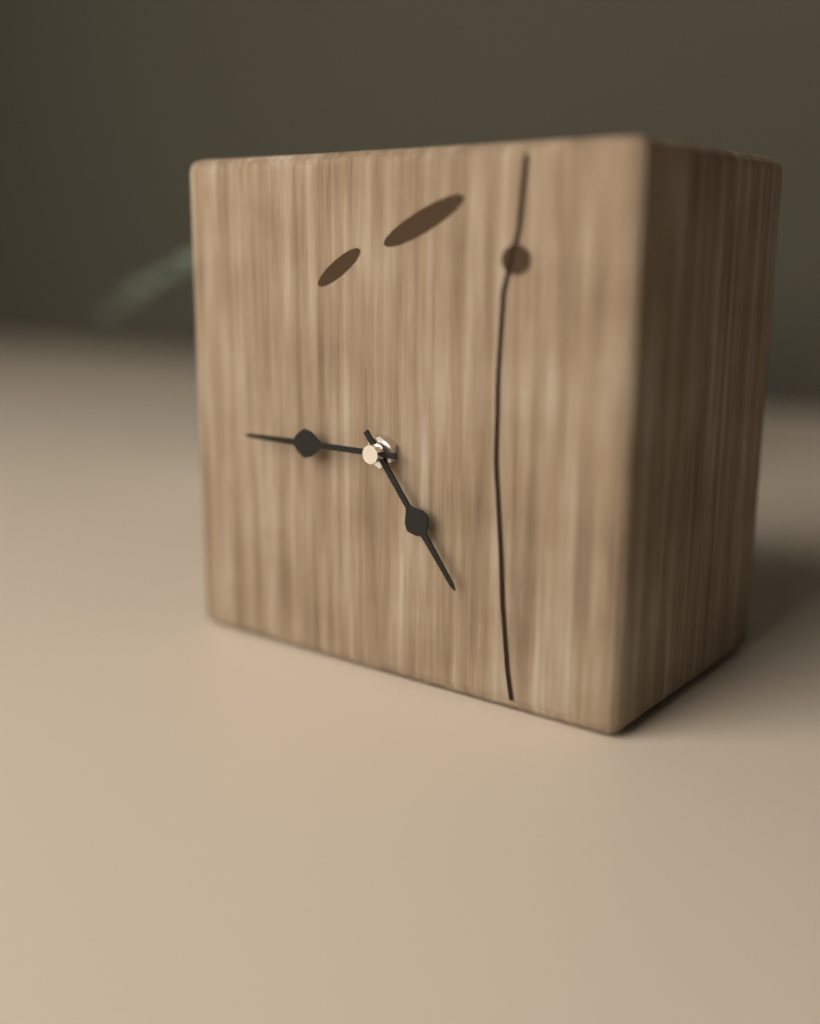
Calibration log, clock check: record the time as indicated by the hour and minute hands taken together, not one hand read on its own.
4:45
